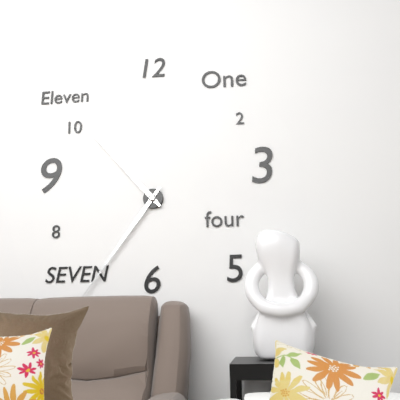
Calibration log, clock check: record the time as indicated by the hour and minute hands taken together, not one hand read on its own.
10:36
